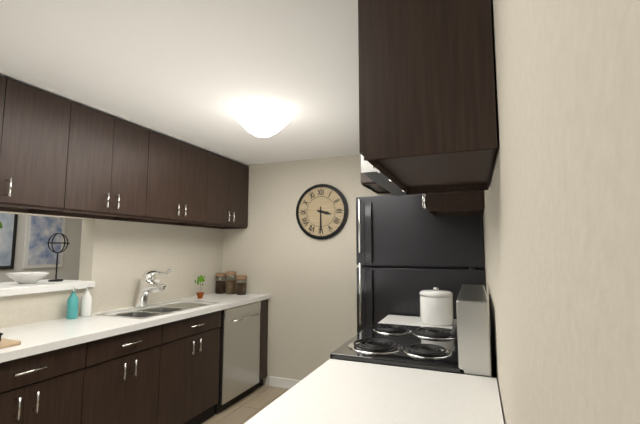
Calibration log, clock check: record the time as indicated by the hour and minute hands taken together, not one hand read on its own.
3:30
